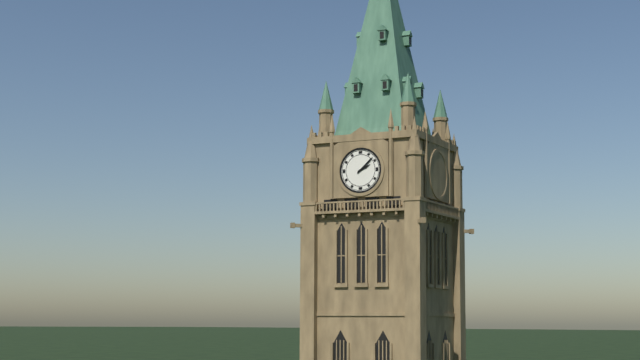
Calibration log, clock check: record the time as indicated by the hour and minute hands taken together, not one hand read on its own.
2:08
